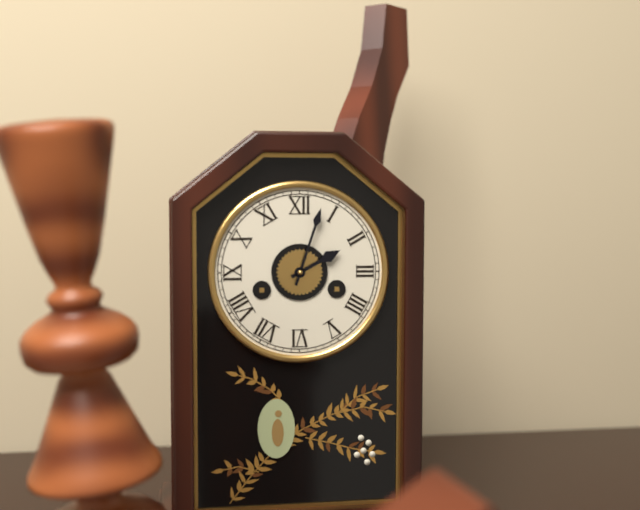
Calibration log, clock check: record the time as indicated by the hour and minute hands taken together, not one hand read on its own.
2:03
